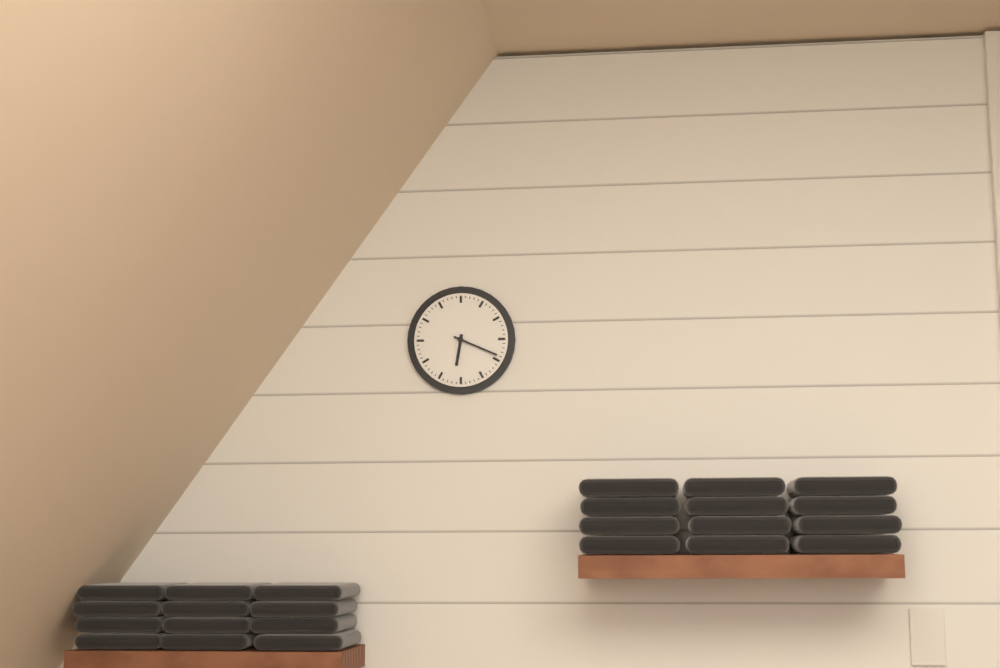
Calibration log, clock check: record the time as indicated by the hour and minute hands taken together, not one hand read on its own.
6:19
